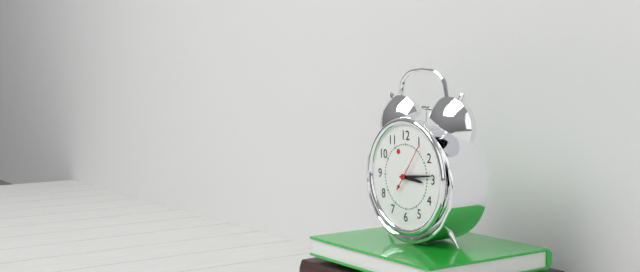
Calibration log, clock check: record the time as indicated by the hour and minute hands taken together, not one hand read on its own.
3:14
